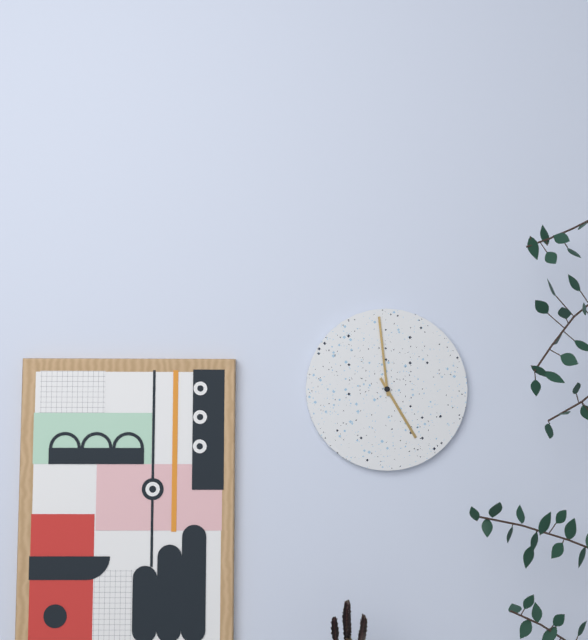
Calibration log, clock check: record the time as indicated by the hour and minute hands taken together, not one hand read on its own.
4:59
